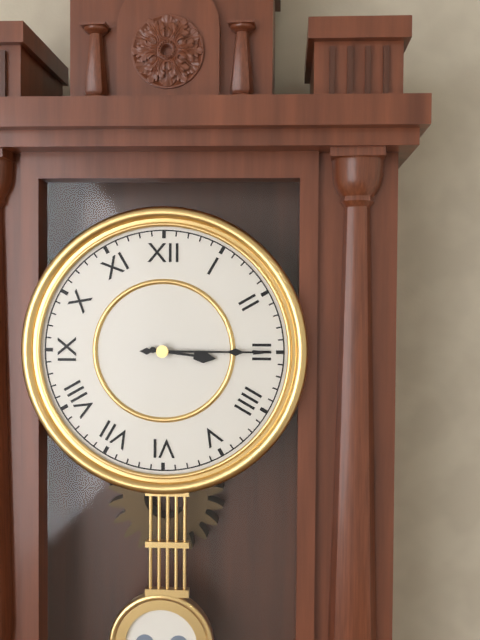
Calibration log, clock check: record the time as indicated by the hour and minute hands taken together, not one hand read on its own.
3:15
